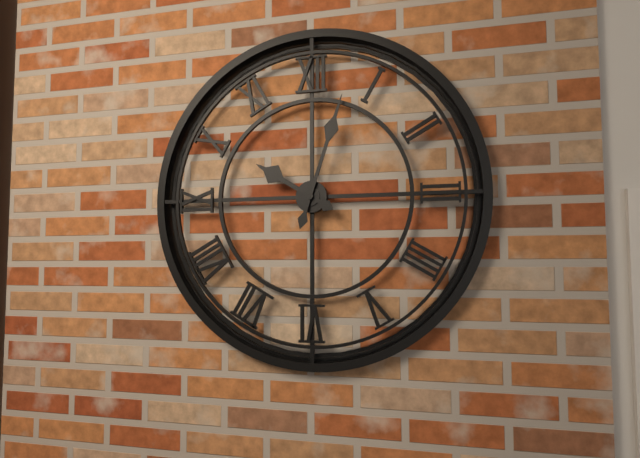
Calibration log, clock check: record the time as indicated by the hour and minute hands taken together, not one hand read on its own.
10:03
